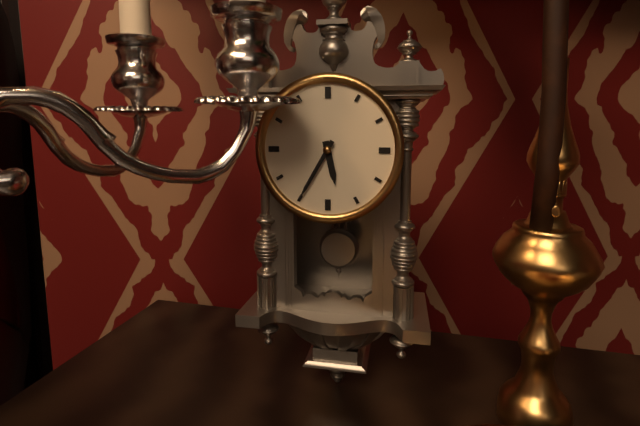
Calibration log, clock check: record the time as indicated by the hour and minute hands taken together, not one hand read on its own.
5:35
